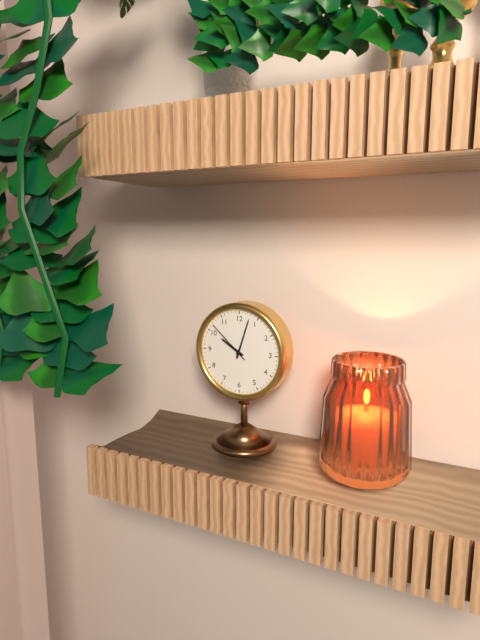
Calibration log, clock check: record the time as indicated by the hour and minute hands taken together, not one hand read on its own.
10:03
